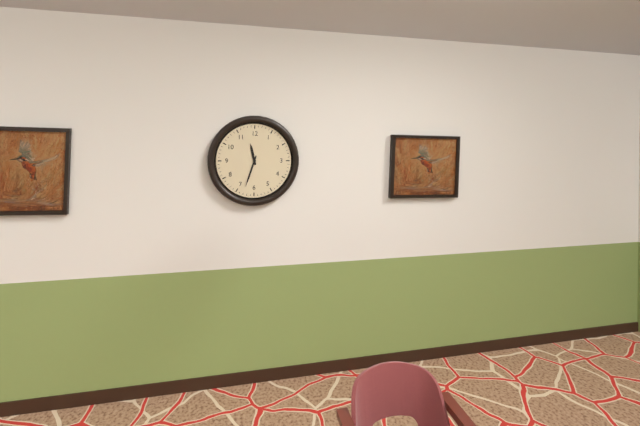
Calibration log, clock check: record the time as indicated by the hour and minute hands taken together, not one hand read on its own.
11:33
